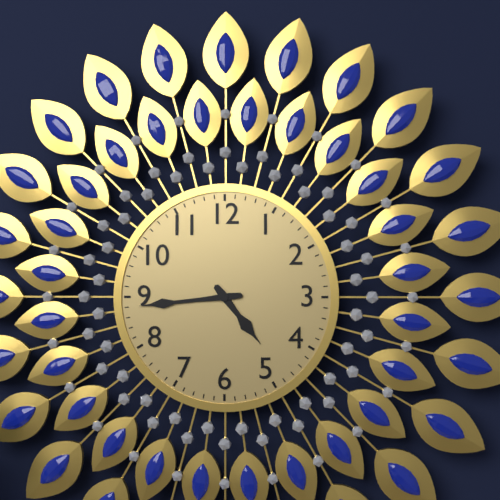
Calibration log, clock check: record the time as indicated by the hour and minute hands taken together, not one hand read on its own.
4:44
